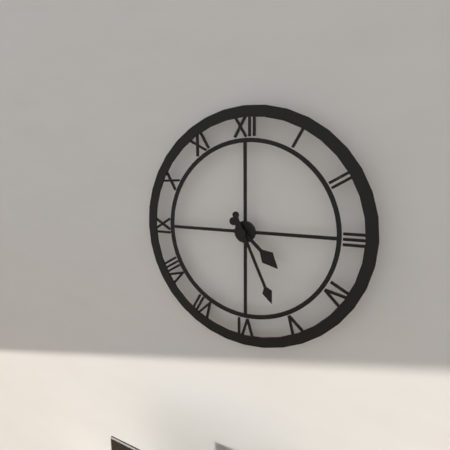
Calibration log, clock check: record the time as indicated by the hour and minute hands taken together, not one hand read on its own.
4:26
